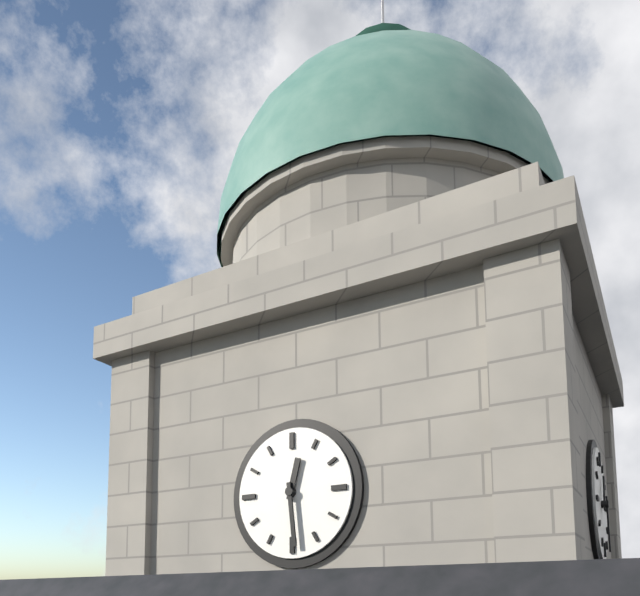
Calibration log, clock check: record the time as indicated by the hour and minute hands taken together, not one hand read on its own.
12:29
